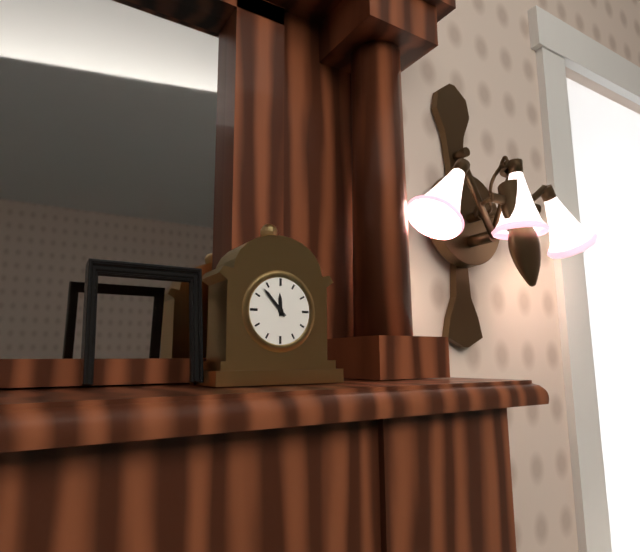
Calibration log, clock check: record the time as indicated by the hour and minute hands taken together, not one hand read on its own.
11:53
